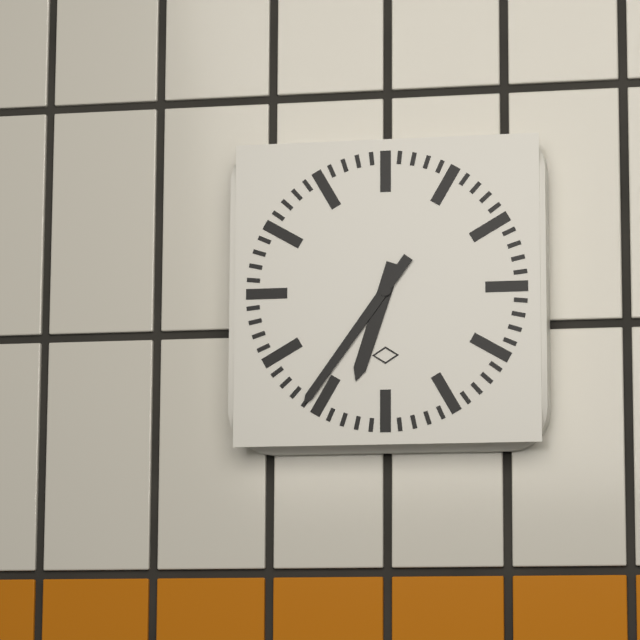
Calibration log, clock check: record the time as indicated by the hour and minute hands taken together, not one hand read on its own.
6:36
